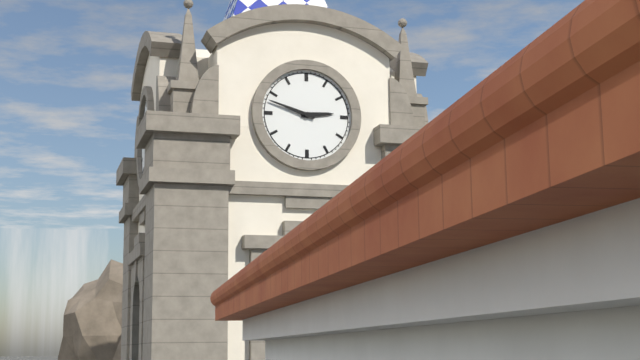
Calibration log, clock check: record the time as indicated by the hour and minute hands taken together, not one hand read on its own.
2:48
